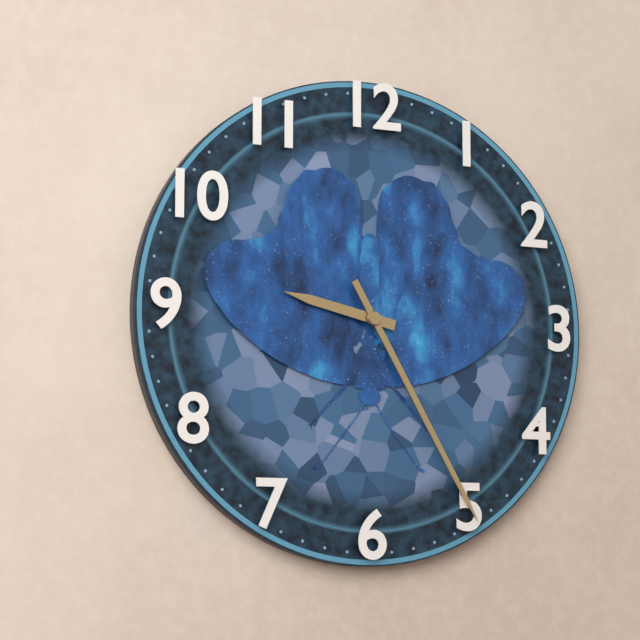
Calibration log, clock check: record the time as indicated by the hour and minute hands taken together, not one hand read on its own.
9:25
